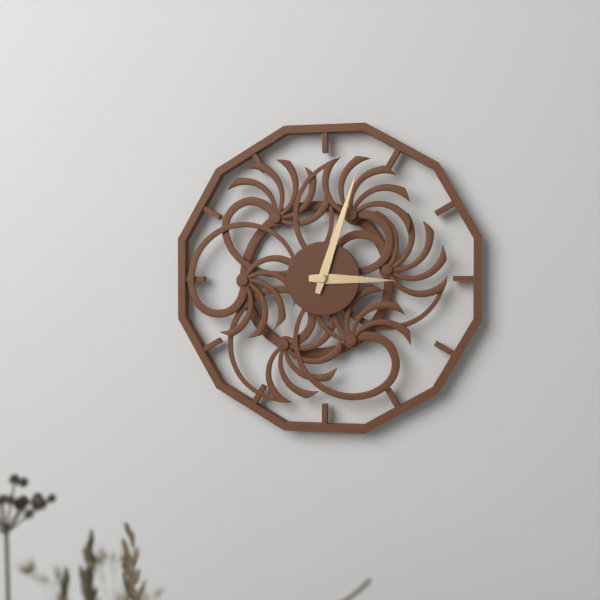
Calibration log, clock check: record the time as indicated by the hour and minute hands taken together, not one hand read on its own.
3:03
